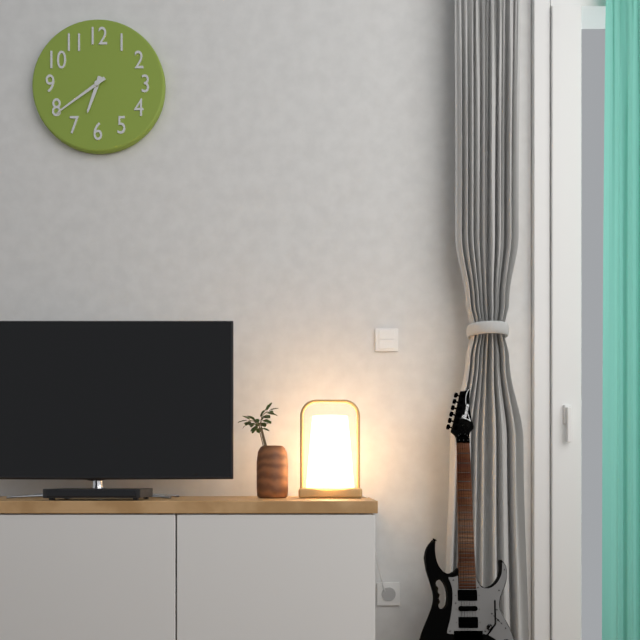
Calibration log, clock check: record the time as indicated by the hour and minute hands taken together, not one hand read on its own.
6:39
